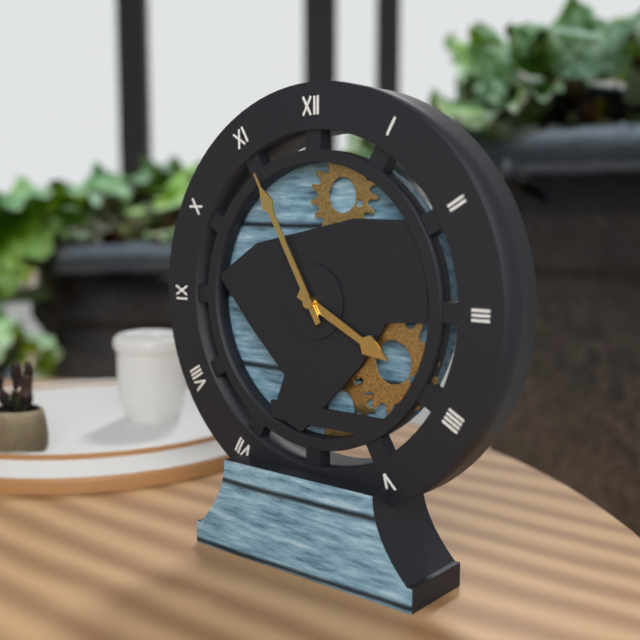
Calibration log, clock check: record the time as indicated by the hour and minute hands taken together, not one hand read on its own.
3:55
